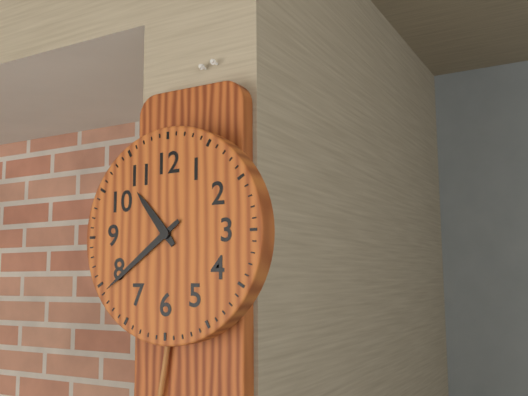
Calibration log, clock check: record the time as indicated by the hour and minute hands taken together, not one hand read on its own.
10:39
